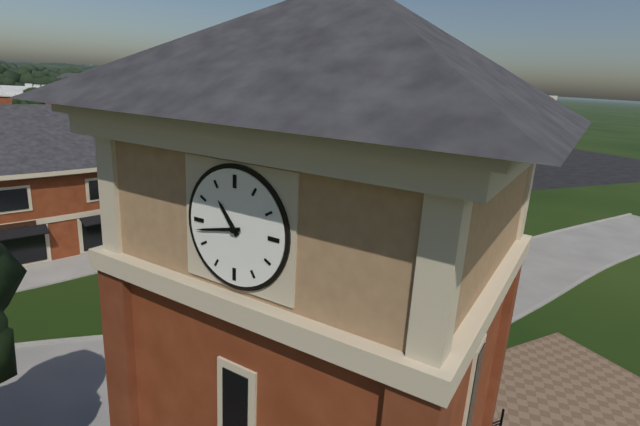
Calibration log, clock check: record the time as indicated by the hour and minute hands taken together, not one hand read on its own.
10:43
